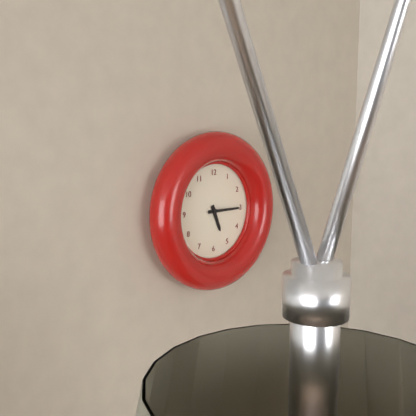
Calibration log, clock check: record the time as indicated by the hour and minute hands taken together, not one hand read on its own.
5:15
